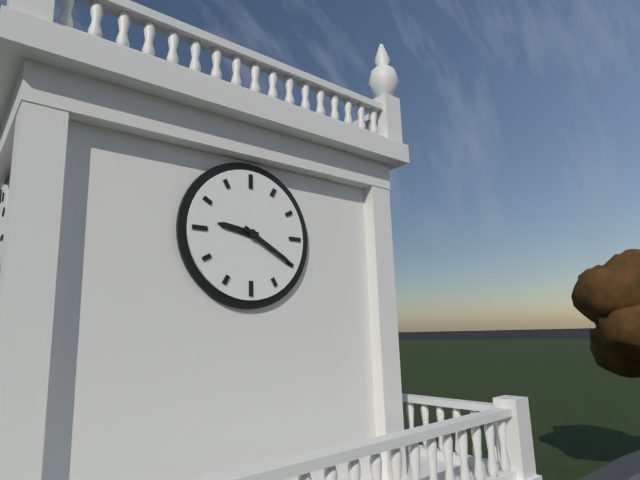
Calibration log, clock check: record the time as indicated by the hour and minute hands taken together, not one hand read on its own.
9:20
